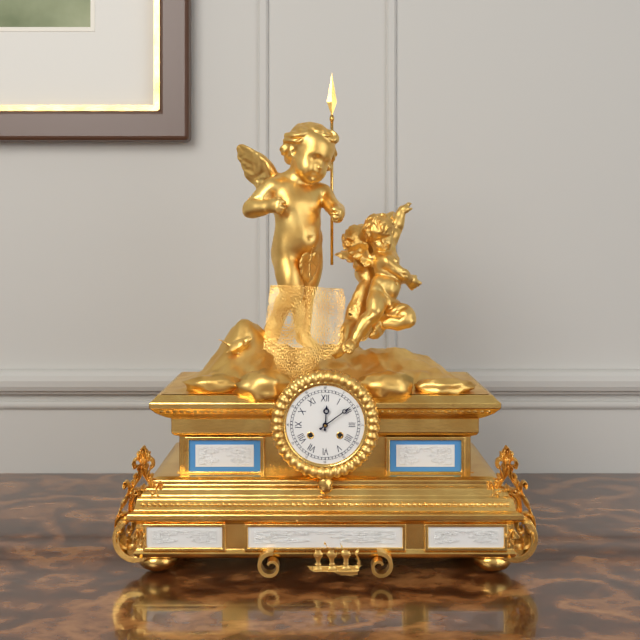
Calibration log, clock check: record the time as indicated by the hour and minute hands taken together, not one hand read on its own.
12:09
